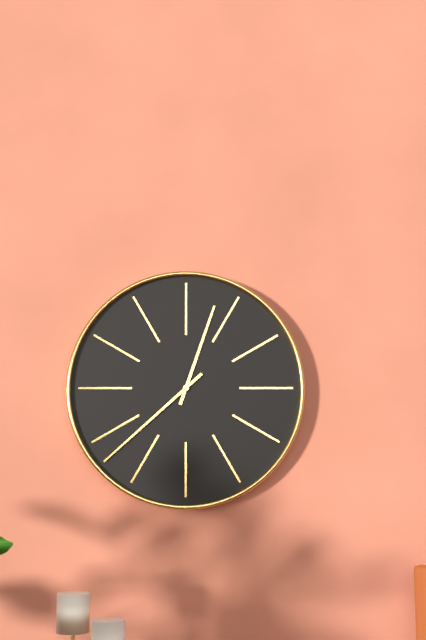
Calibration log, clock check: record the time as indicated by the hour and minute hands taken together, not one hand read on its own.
12:38
